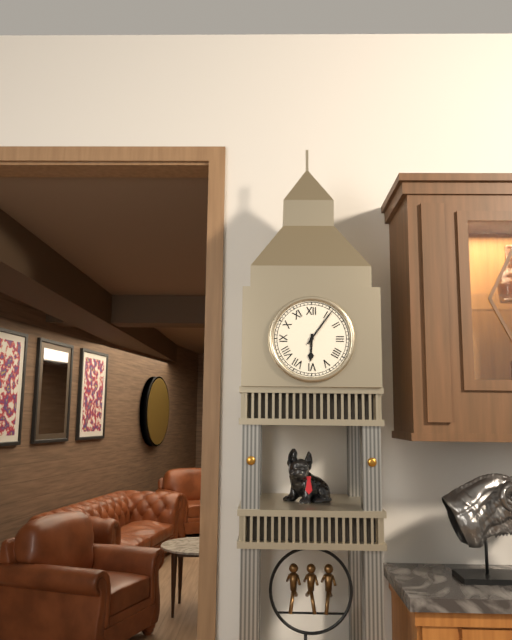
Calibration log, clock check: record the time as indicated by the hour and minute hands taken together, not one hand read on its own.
6:06
